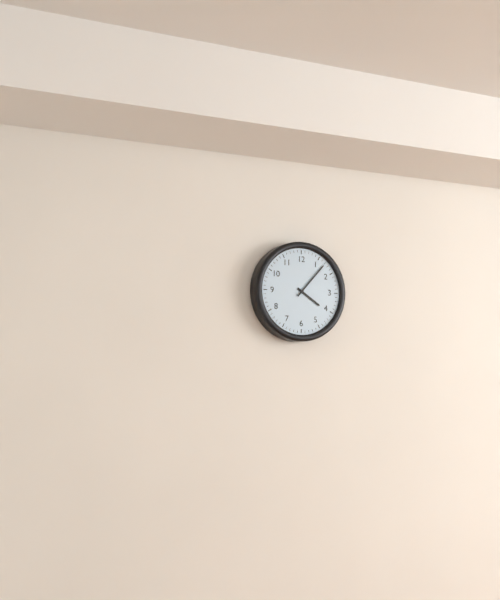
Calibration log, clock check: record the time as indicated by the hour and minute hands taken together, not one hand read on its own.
4:07
